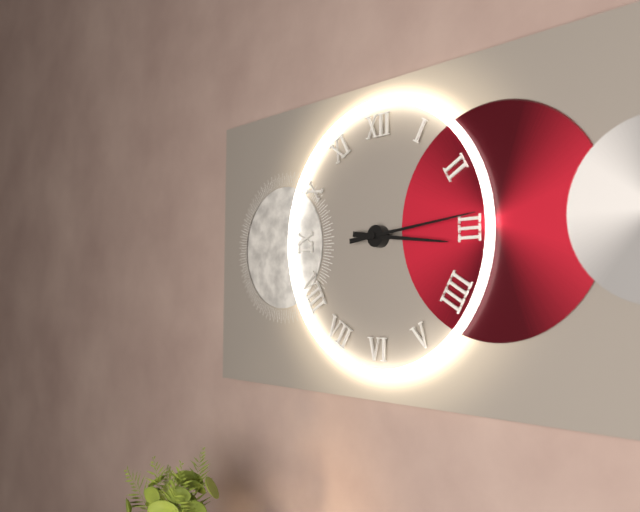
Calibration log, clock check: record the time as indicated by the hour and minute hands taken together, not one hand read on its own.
3:14
